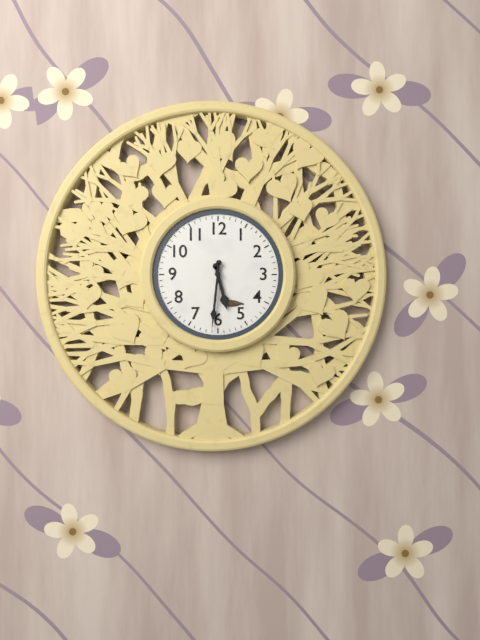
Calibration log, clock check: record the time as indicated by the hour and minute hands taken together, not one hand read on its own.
5:31
